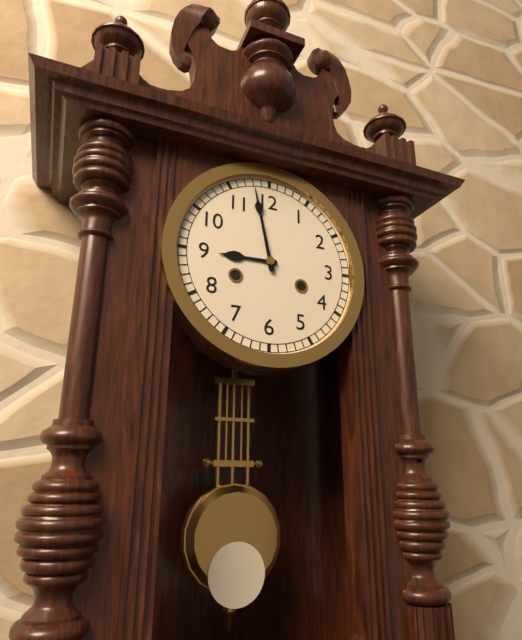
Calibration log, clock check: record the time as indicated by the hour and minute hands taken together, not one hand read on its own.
8:58
